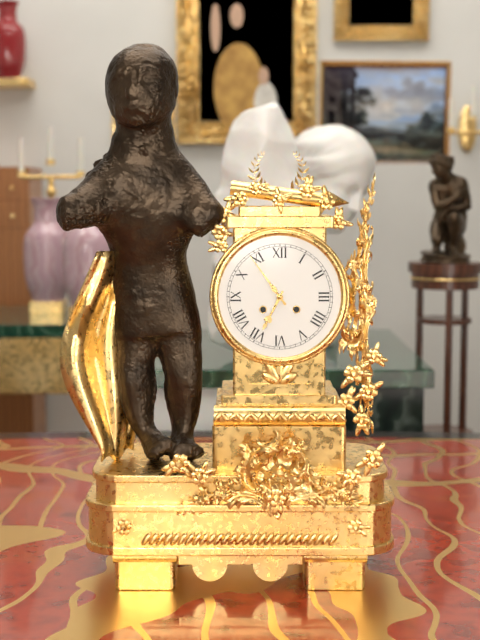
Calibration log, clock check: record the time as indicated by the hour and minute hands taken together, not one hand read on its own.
6:54
